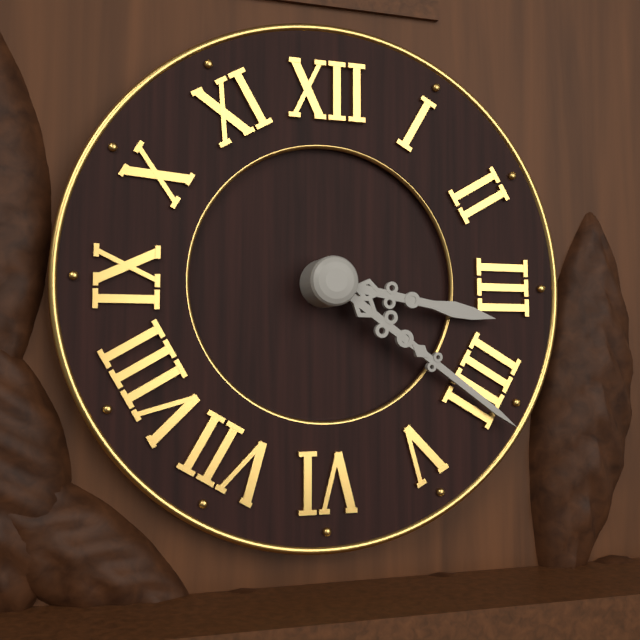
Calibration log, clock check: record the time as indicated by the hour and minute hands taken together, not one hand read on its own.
3:21
